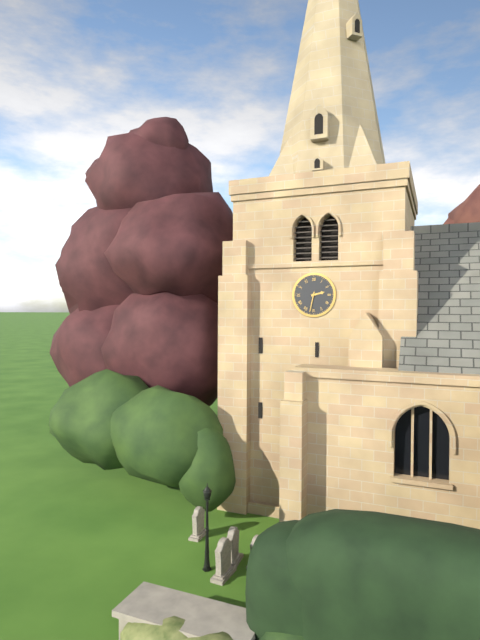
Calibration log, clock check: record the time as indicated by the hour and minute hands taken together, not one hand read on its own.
2:32
